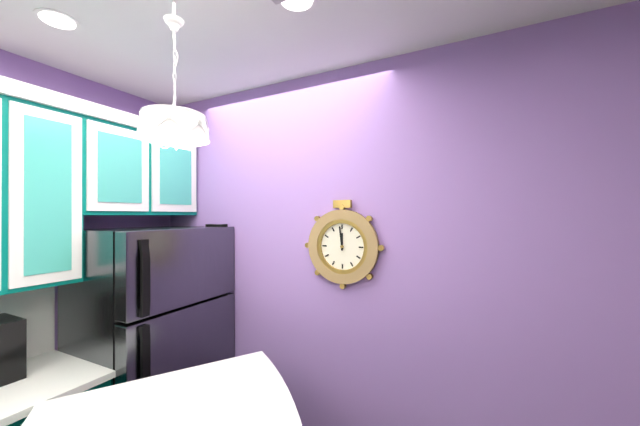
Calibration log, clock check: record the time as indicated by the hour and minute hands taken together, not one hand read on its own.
11:59
